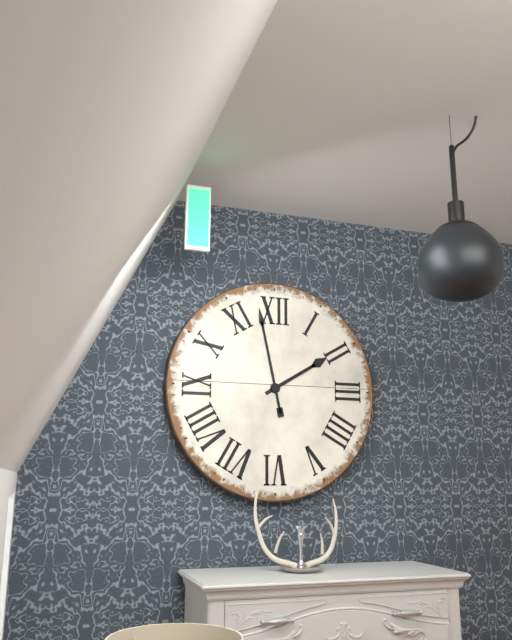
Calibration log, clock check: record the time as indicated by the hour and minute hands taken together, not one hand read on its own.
1:58
